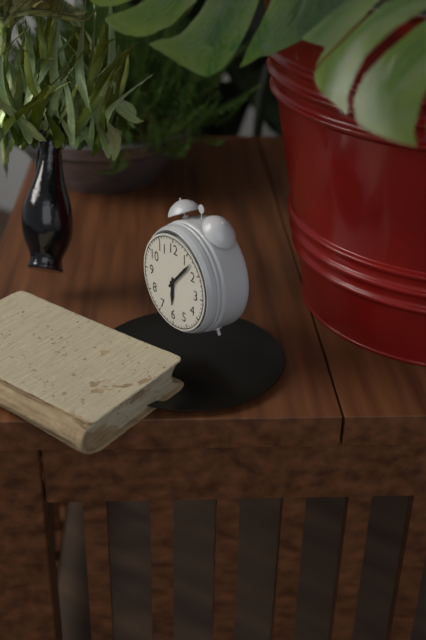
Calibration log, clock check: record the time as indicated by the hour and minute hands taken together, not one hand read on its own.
6:07
